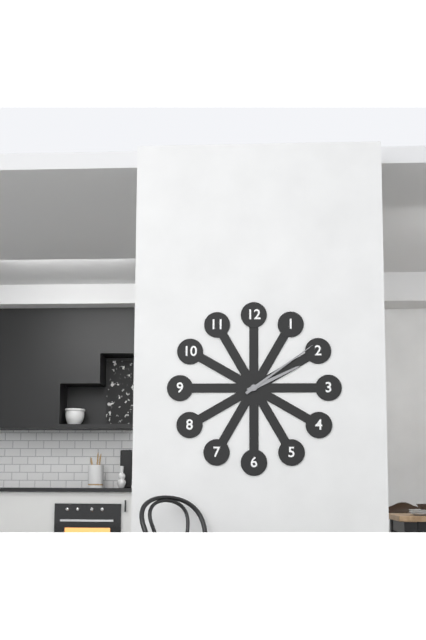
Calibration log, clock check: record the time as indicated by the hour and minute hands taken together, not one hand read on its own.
2:09
